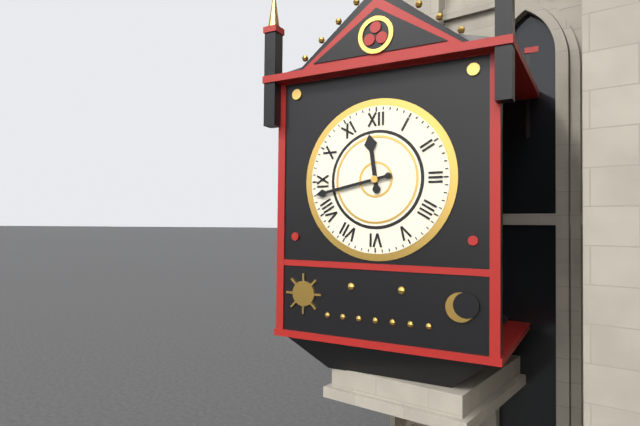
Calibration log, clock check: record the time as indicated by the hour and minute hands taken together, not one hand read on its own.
11:43
